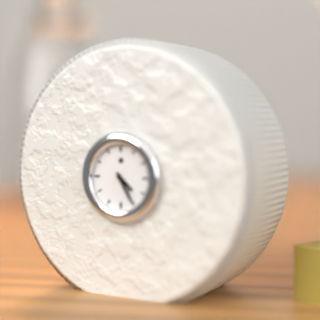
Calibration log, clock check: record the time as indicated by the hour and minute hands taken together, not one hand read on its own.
4:25
